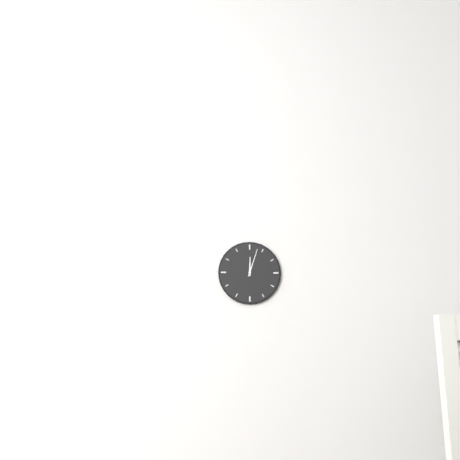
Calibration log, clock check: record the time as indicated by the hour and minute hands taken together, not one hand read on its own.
12:03
